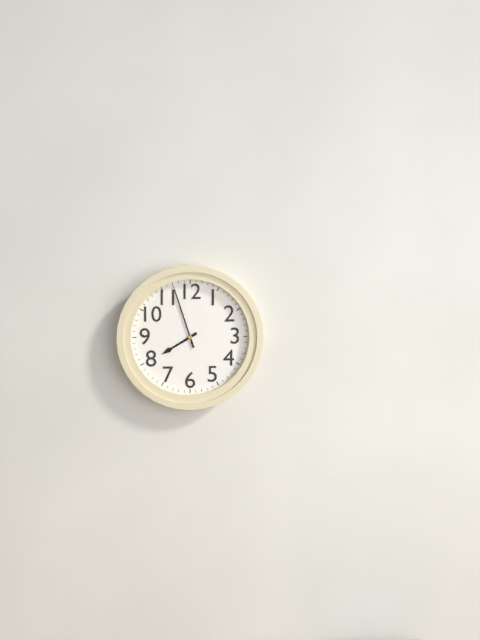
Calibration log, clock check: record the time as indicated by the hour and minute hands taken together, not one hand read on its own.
7:57
